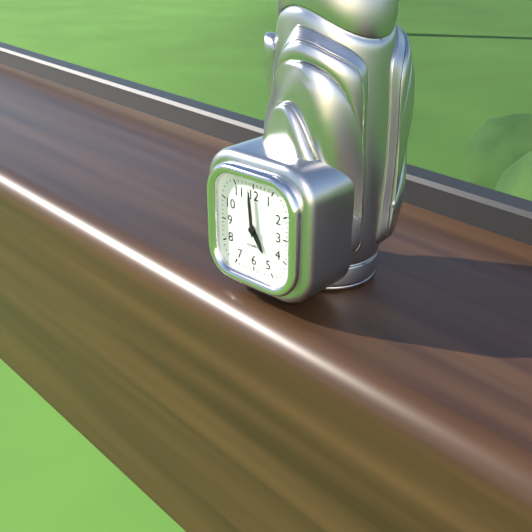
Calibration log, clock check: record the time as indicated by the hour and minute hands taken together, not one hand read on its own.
4:59
